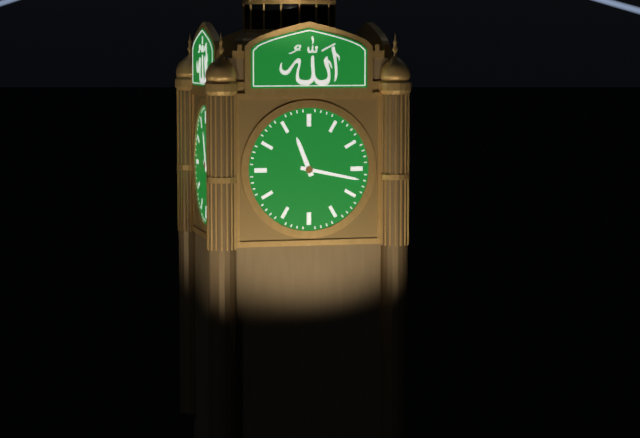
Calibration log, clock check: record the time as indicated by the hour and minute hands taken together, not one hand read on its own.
11:17
